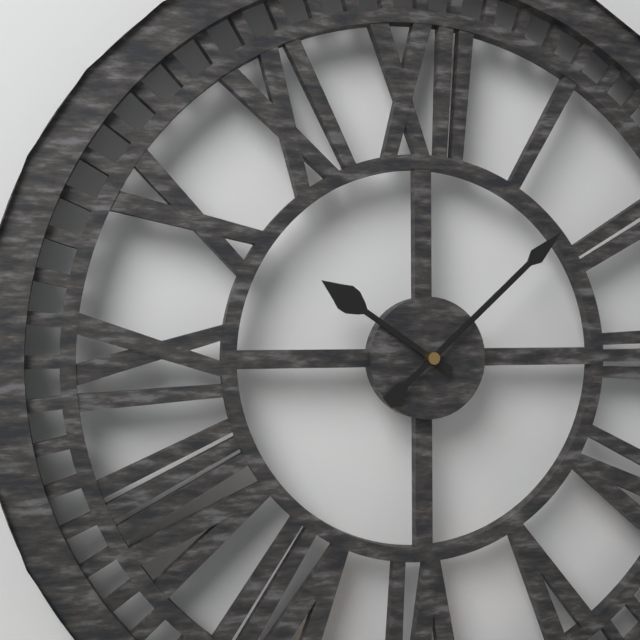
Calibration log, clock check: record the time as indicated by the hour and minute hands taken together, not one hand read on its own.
10:08
